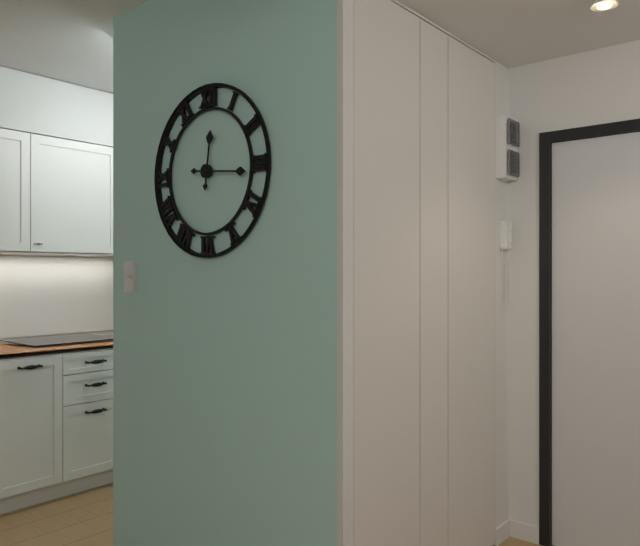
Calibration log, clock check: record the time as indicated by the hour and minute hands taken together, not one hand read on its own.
12:16
